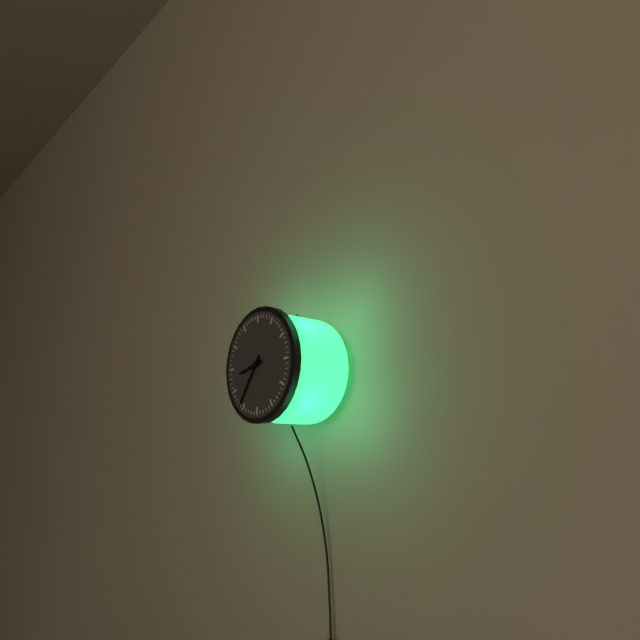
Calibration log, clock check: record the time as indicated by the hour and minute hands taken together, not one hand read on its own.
8:36
